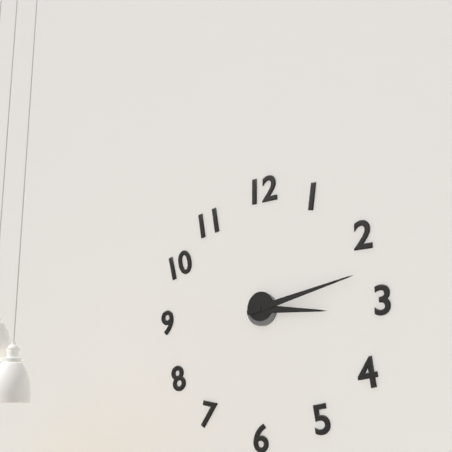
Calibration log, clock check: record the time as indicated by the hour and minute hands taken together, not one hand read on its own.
3:13
